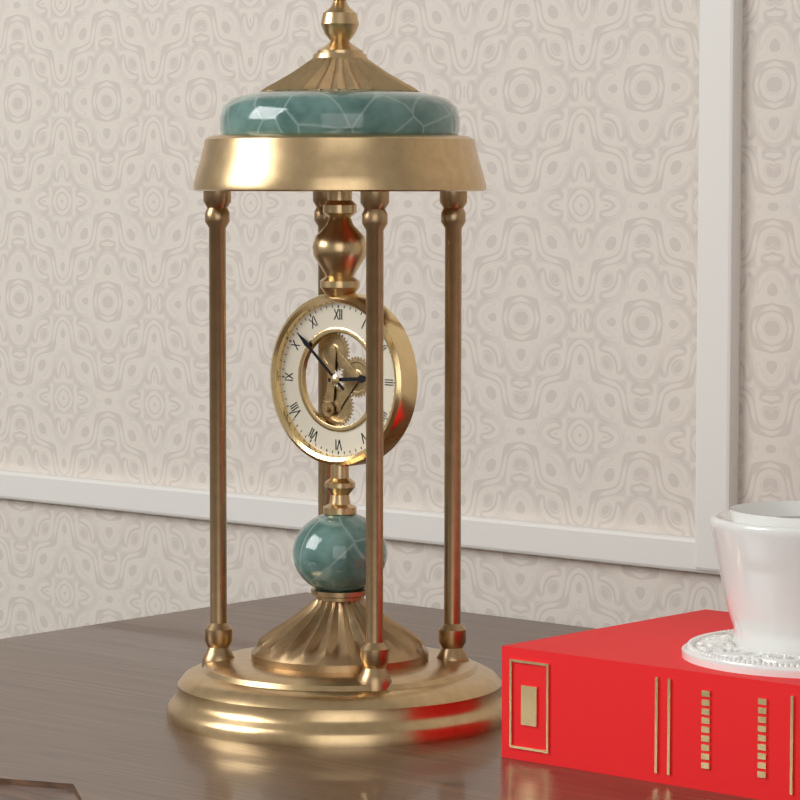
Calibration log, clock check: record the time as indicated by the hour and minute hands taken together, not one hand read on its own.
2:52
